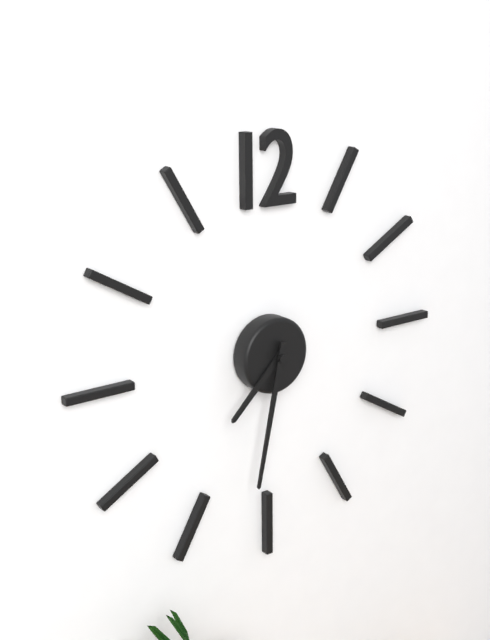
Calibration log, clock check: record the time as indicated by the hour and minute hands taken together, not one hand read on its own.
7:32
